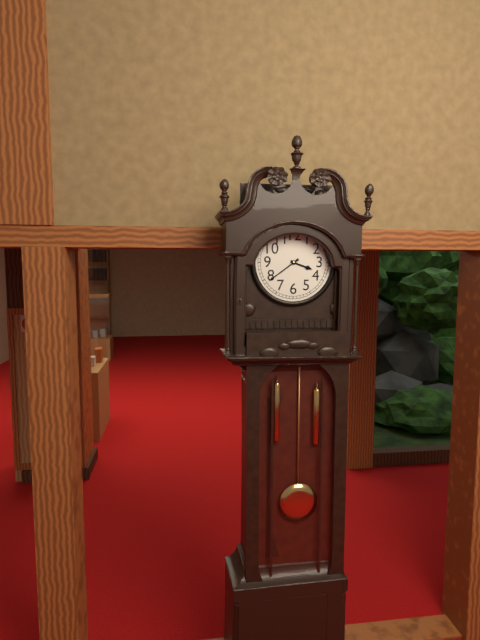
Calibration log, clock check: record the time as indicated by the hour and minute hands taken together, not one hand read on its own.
3:39
